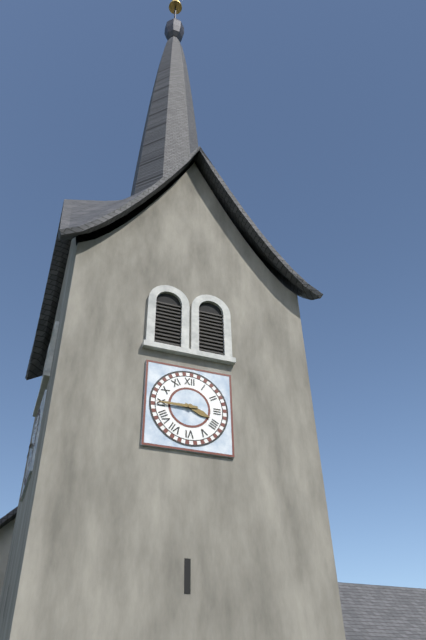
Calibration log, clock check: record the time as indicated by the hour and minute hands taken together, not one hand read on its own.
3:45
